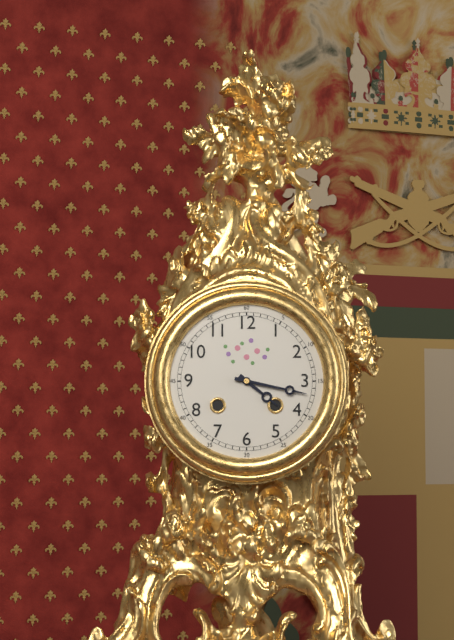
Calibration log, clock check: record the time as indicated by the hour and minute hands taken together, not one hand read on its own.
4:17
